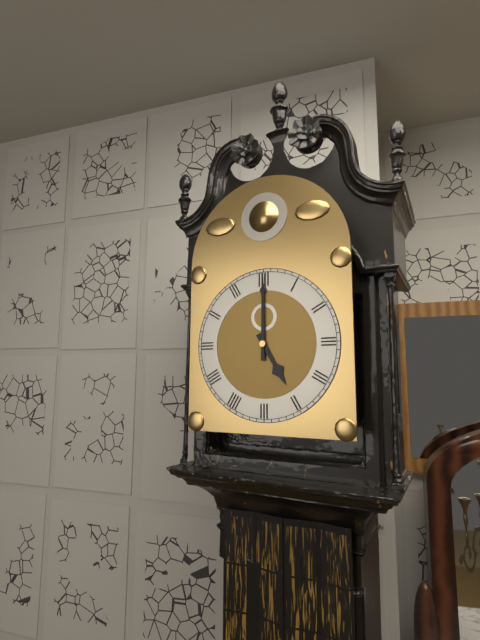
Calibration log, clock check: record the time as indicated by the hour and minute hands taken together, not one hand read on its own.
5:00
